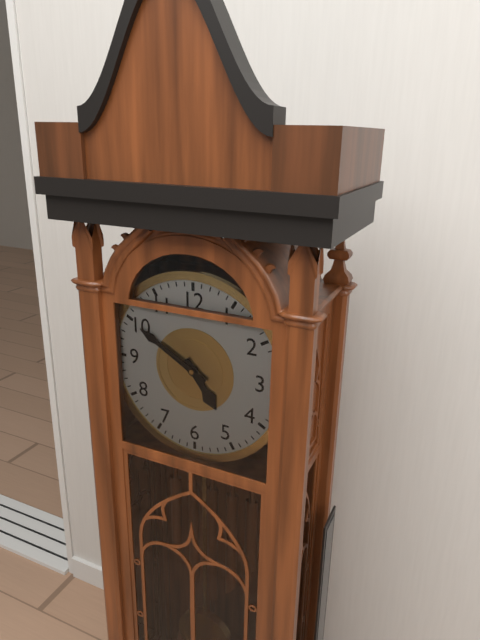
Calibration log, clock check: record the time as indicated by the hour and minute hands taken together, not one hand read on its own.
4:50
